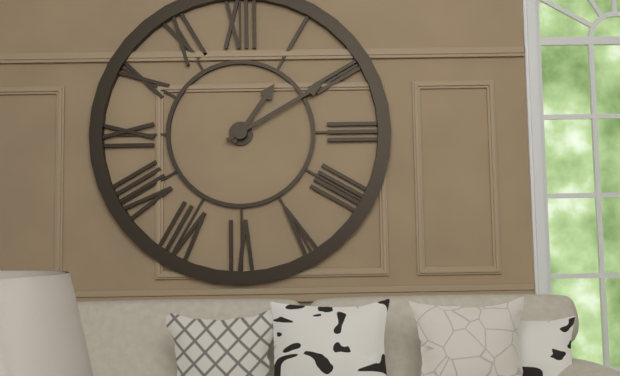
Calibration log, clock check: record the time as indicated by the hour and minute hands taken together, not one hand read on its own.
1:10
